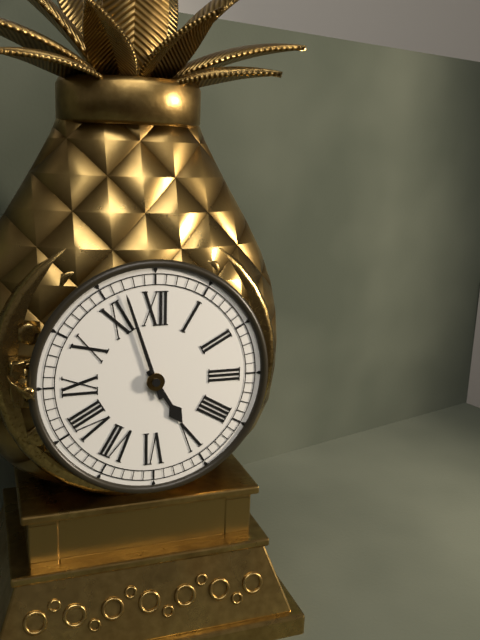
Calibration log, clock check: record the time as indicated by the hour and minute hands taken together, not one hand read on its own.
4:57
